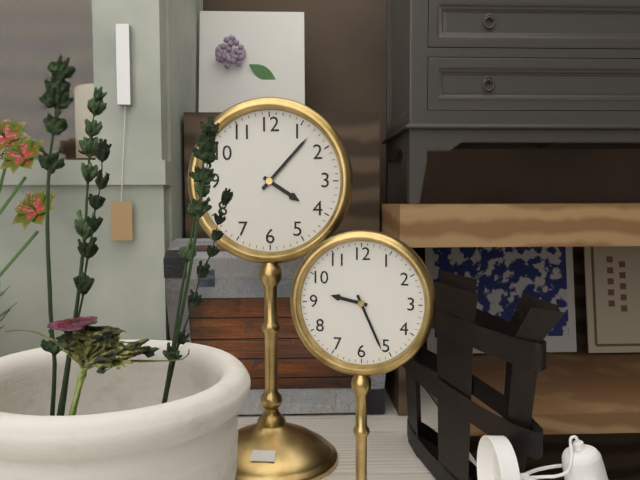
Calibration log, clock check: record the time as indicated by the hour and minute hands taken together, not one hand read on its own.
4:07
